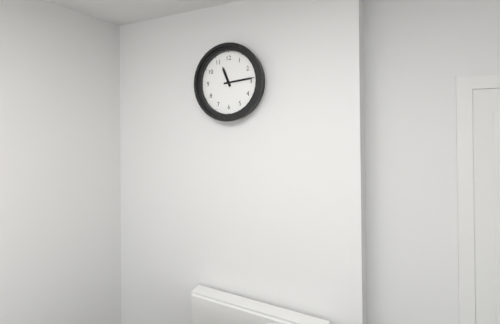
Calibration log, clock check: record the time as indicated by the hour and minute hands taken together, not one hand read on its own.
11:14
